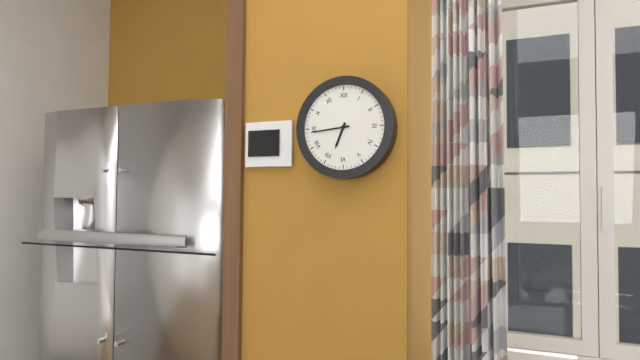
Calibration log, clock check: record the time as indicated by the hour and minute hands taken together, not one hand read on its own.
6:44
